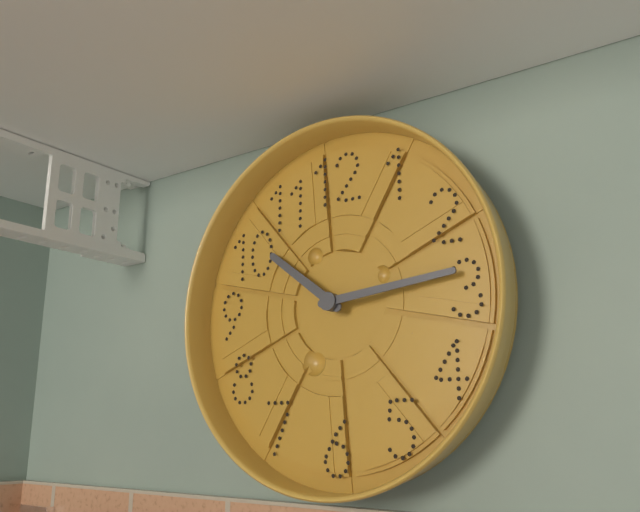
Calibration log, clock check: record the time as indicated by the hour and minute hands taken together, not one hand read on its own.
10:14
